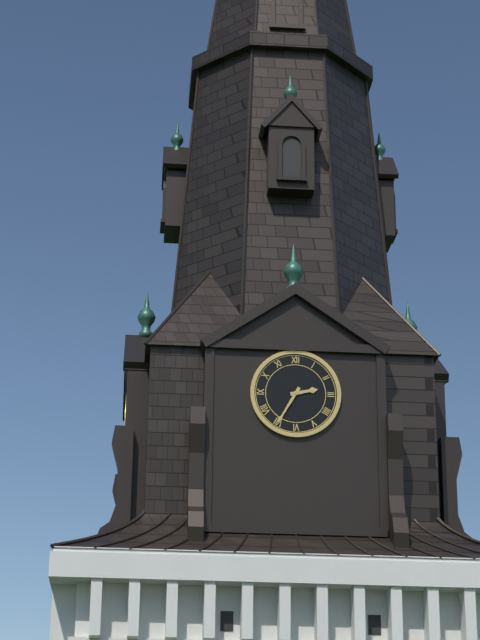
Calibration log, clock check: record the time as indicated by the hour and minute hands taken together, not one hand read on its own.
2:35
